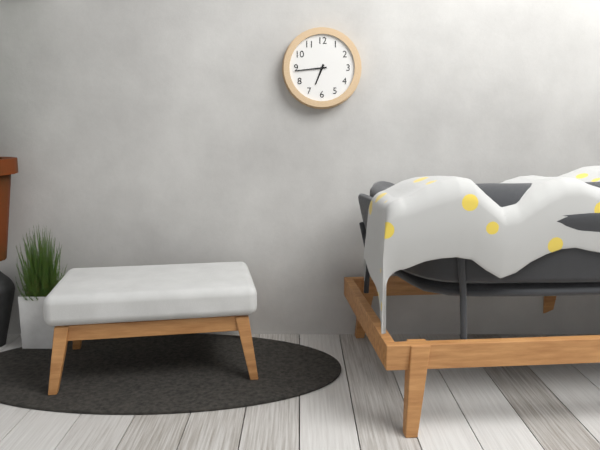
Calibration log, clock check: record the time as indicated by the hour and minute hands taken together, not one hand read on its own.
6:44
